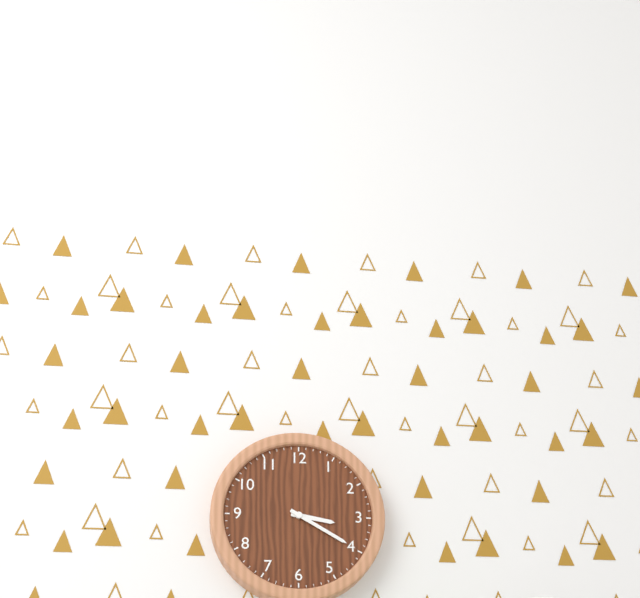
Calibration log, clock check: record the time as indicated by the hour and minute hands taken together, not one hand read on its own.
3:20
